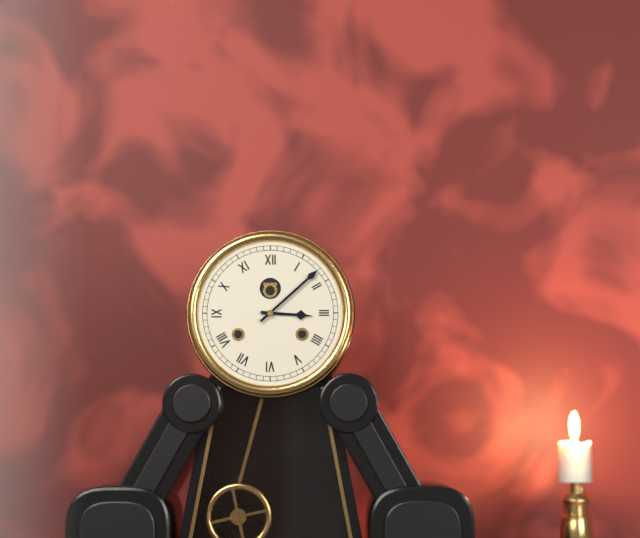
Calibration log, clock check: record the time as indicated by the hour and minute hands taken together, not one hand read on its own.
3:08
